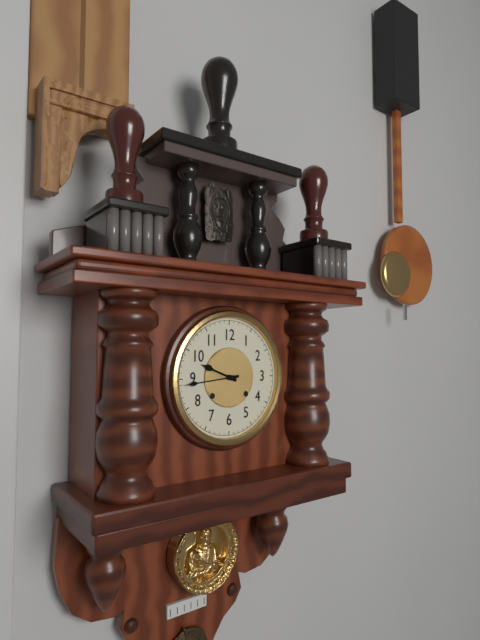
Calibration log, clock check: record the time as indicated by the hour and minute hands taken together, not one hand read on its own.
9:44
